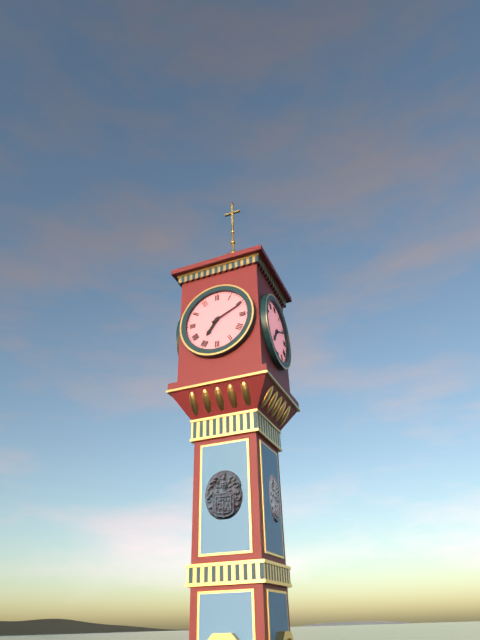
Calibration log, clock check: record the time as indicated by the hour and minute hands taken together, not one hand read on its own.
7:11
